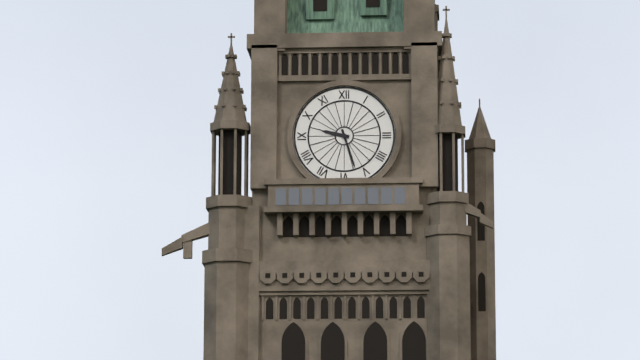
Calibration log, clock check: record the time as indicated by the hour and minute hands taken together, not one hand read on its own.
9:27
